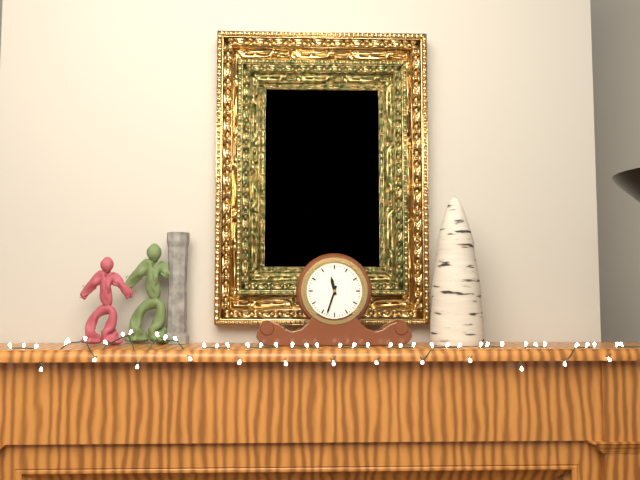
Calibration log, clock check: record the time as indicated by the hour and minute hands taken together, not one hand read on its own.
11:33
